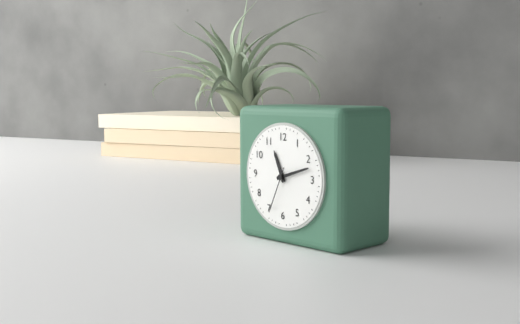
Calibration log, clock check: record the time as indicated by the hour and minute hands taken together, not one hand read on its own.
11:12
